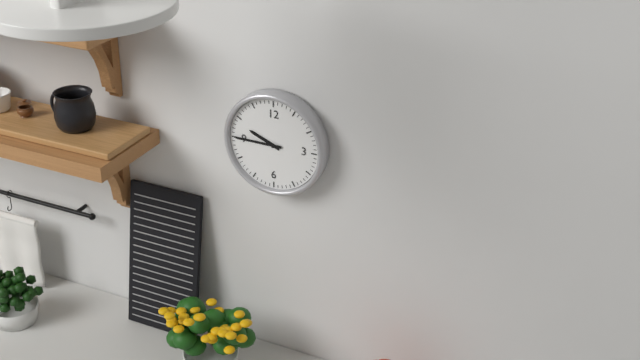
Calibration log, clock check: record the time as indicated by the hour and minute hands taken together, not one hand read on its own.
9:45
